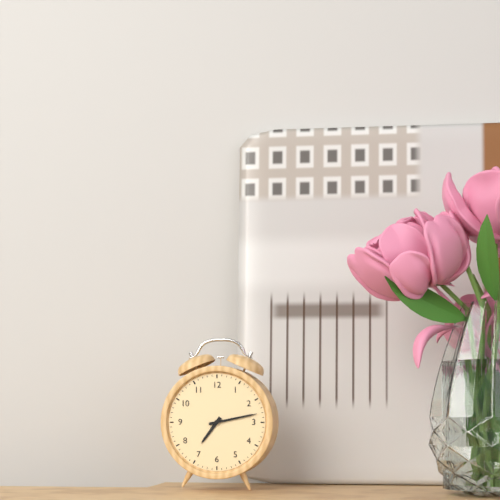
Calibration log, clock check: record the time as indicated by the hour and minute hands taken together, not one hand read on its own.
7:13
